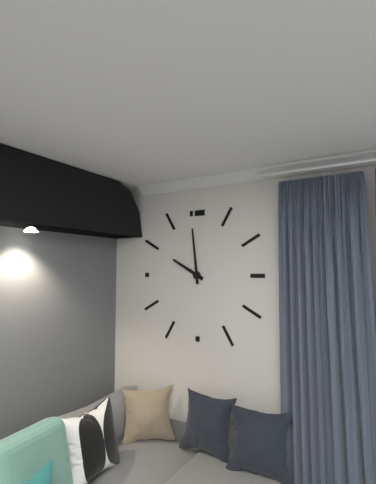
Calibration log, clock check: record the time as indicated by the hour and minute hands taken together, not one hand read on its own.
9:59
